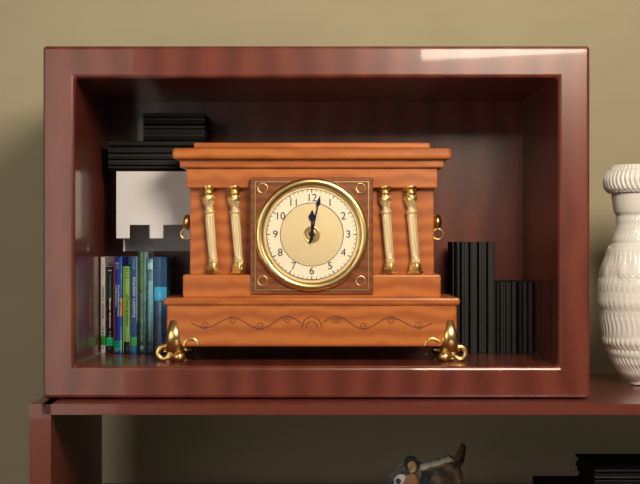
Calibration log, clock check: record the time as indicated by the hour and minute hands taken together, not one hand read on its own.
12:02
